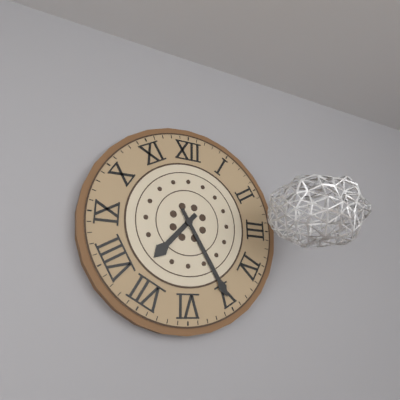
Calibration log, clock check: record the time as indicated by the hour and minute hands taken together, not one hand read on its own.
7:25
